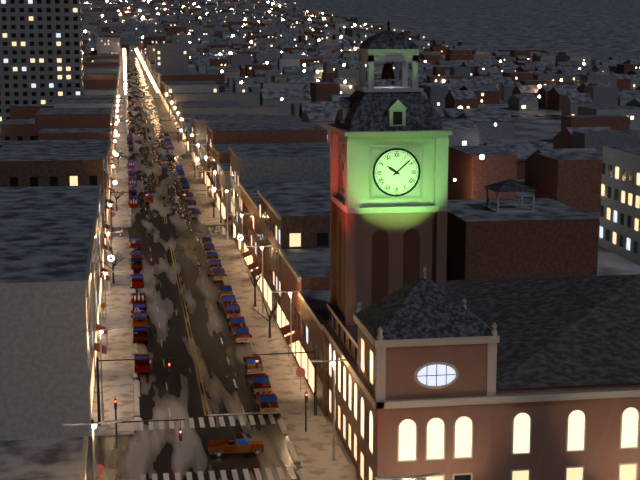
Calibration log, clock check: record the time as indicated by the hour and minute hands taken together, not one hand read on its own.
10:08
